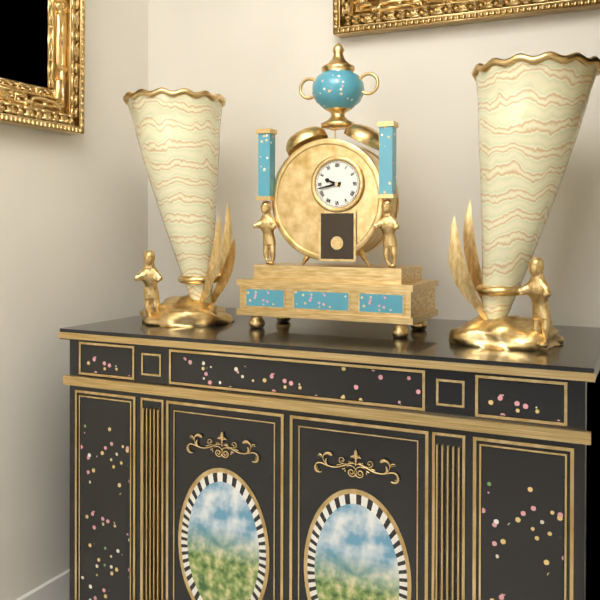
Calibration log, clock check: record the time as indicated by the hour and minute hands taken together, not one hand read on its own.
9:43
